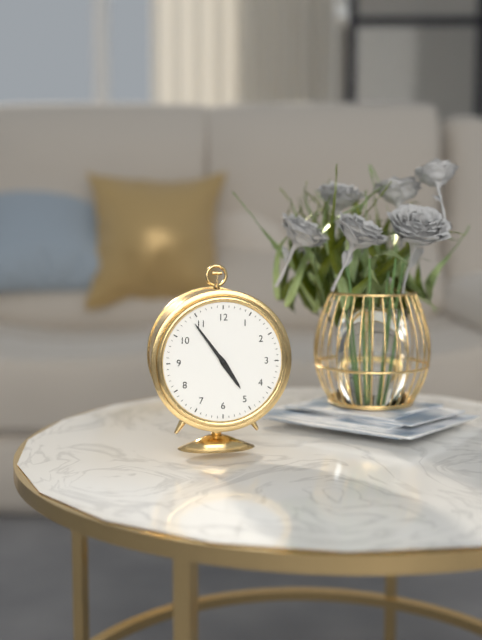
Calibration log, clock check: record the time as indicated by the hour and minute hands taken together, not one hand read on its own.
4:54
